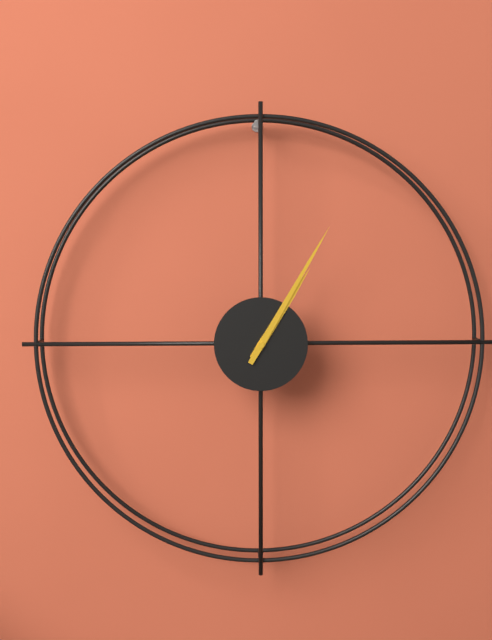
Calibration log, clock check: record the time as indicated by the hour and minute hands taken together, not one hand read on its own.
1:05
